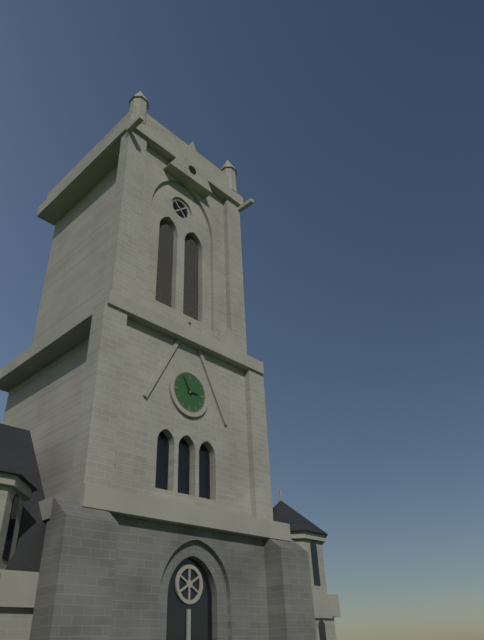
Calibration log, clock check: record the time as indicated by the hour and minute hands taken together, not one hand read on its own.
2:55
